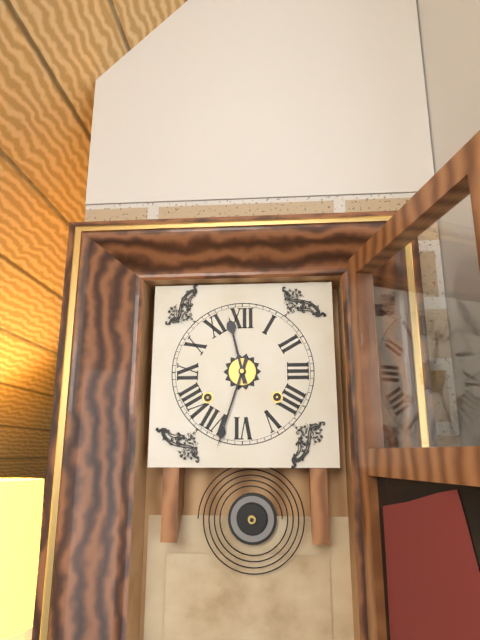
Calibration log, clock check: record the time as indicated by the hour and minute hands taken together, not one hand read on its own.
11:33
